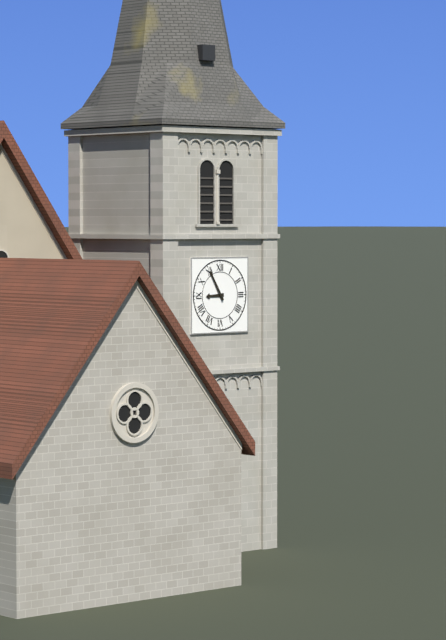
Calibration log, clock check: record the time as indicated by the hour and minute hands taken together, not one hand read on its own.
8:55
